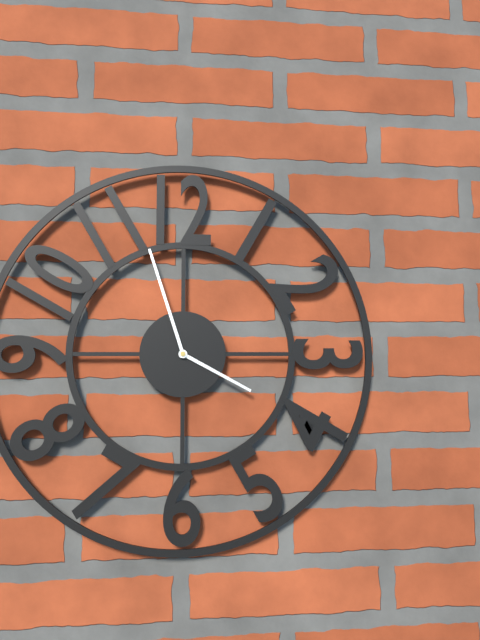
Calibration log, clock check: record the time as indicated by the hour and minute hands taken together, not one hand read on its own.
3:57
